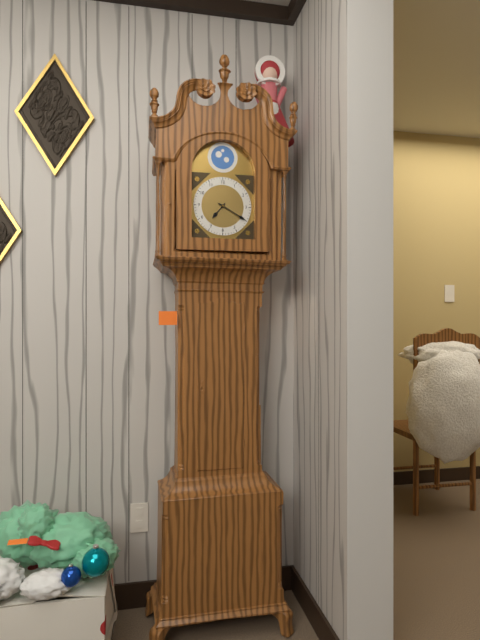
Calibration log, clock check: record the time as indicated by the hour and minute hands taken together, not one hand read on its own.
7:20
